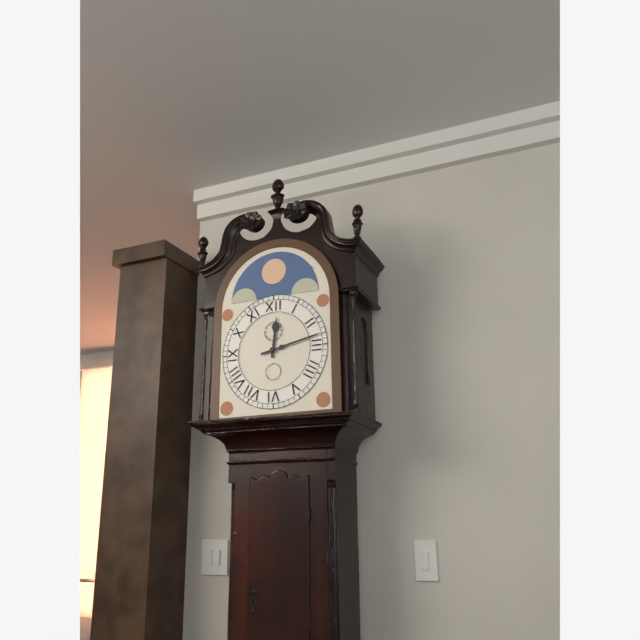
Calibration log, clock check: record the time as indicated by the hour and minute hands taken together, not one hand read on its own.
12:13
